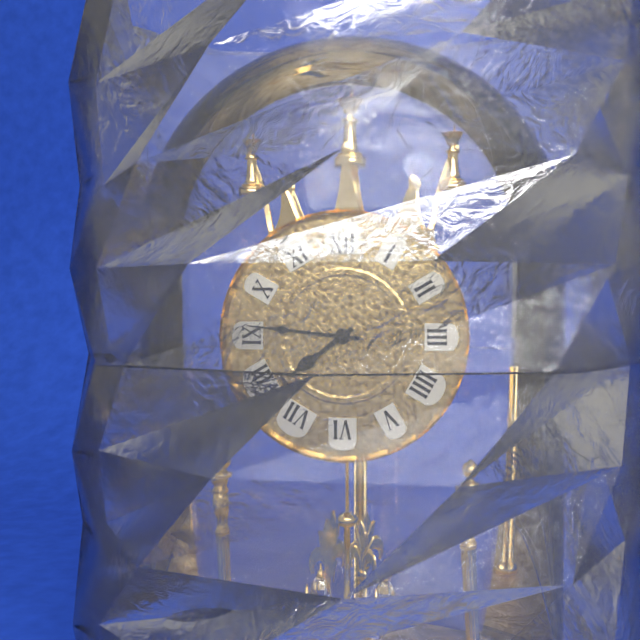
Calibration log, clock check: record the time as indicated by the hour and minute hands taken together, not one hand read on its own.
7:46
